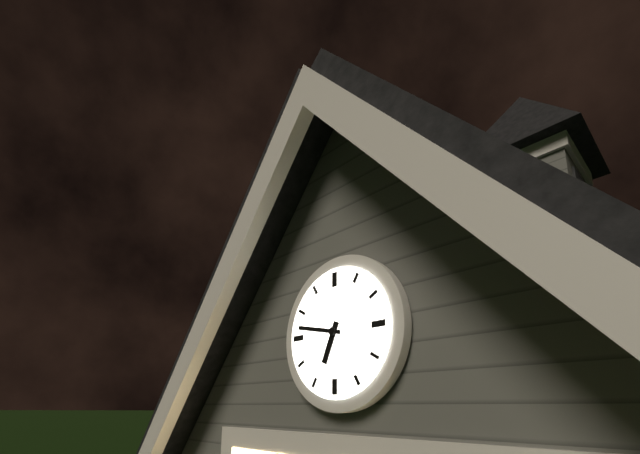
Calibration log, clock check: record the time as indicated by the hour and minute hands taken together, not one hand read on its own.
6:47
